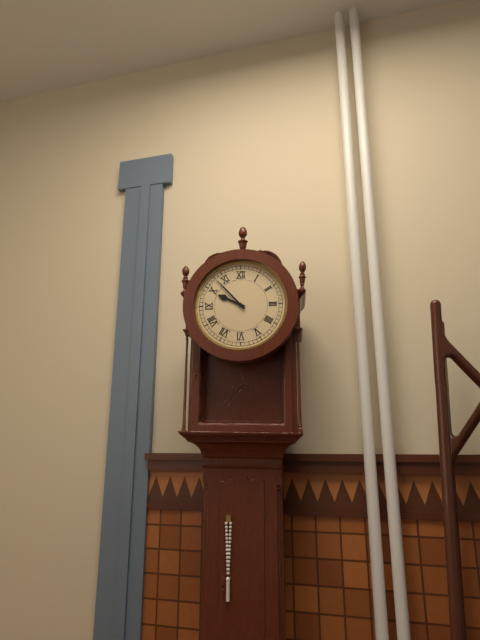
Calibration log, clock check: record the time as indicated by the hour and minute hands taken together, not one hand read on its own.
9:53
